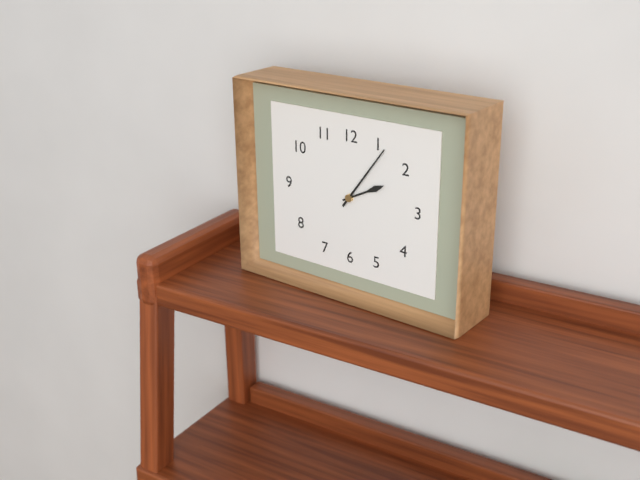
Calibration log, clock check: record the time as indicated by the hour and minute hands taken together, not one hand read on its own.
2:06
